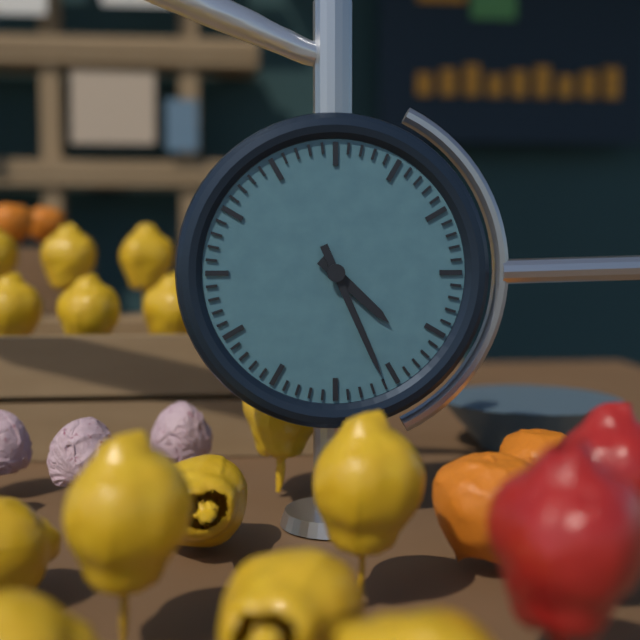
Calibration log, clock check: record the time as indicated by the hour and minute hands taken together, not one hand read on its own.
4:26
